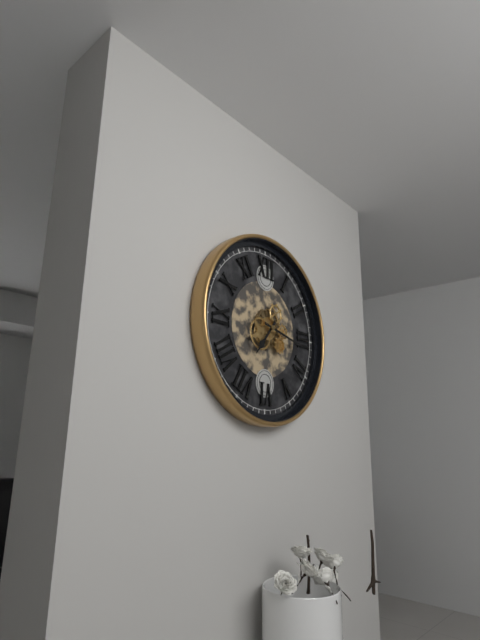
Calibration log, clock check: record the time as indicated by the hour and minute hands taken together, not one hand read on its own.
7:17
